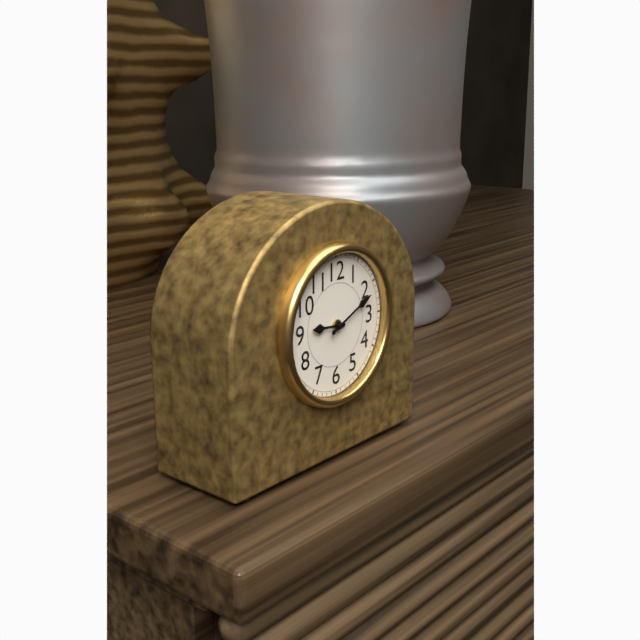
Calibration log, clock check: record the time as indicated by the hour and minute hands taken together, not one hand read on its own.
9:11
